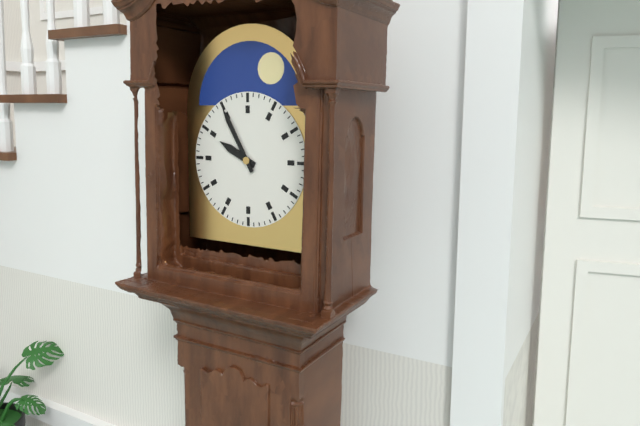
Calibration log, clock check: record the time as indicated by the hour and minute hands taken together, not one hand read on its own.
9:55
